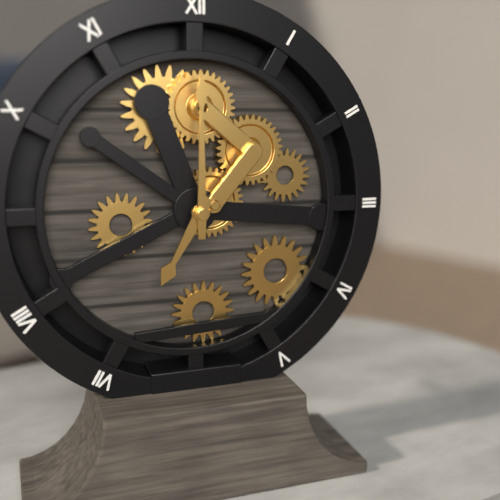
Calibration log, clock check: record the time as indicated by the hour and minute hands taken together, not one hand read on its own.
7:00
